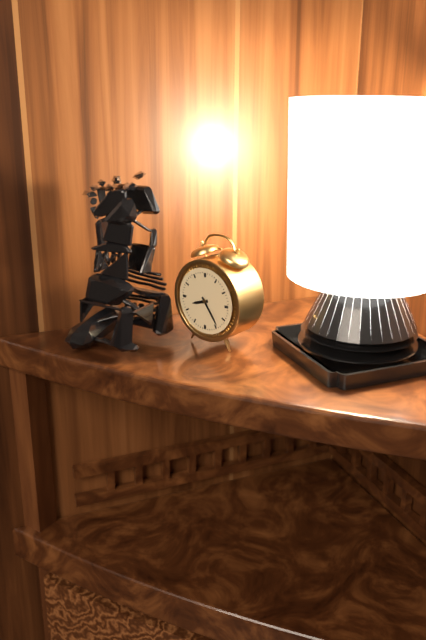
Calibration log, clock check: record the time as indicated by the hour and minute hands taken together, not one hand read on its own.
8:24
